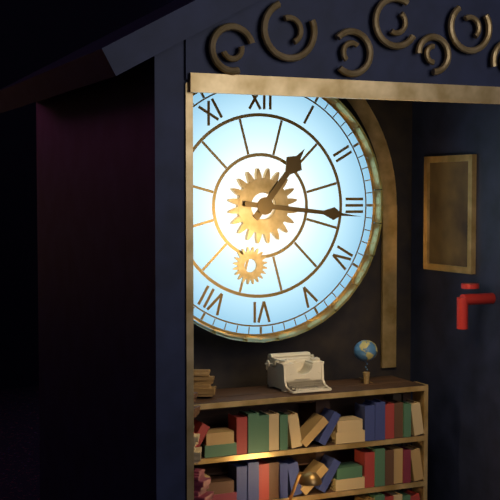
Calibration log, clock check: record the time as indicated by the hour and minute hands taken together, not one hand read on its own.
1:16
